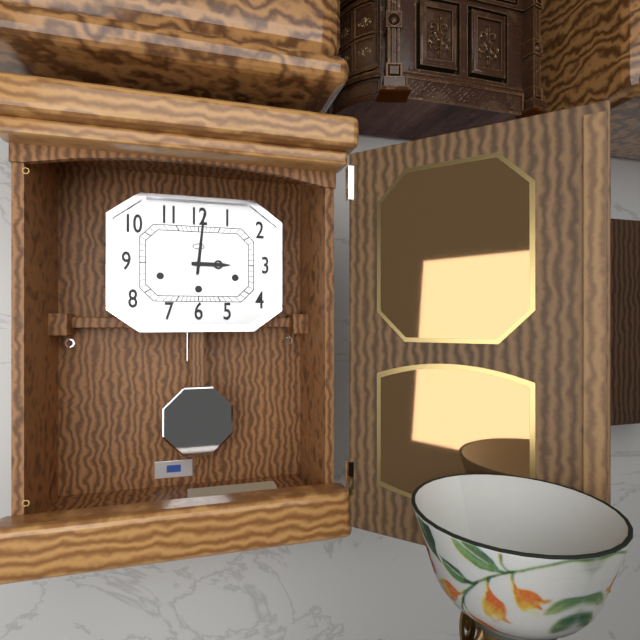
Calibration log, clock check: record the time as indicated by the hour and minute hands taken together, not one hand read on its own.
3:01
